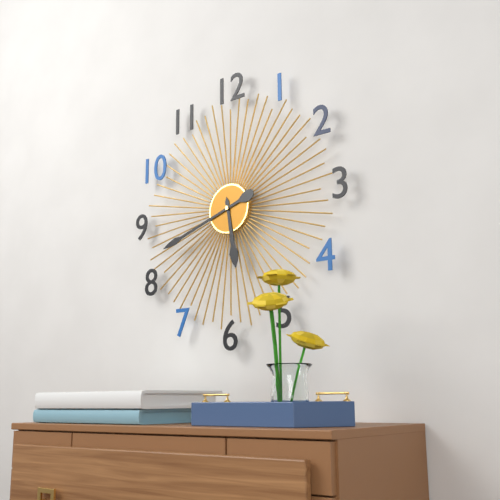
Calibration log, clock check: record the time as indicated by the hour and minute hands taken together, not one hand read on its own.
5:42
